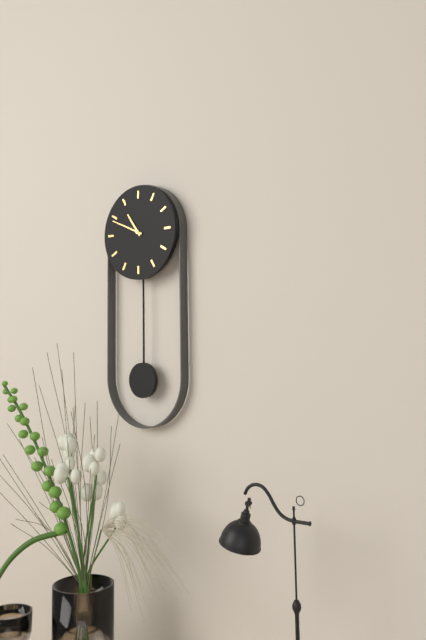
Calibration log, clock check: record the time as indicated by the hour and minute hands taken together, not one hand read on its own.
10:49
